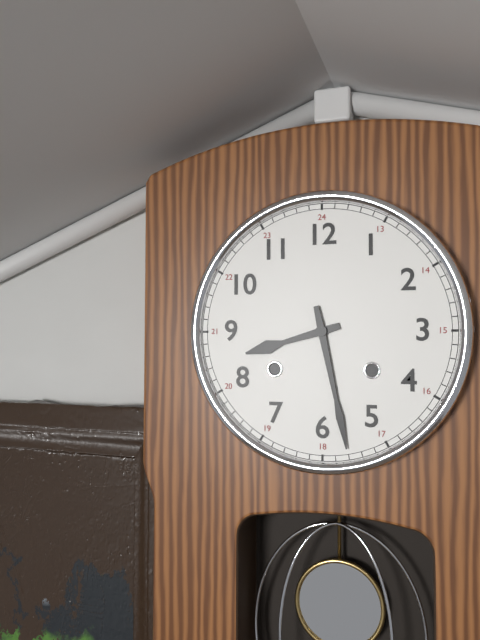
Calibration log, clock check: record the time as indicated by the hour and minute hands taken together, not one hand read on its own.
8:28
